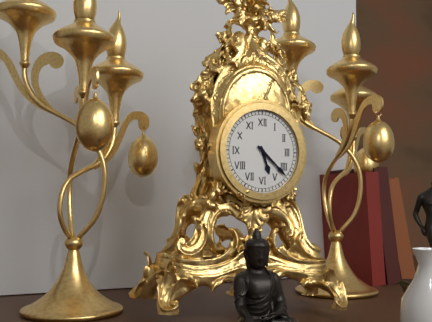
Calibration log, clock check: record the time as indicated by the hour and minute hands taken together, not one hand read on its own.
5:22
